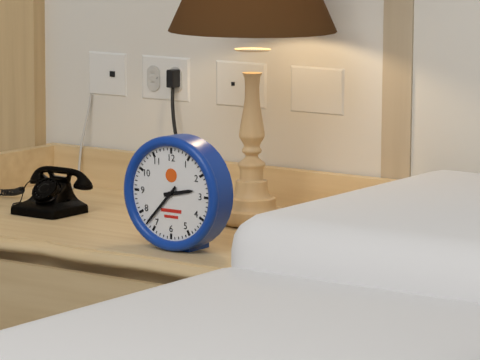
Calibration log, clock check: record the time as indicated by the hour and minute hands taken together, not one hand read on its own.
2:37
